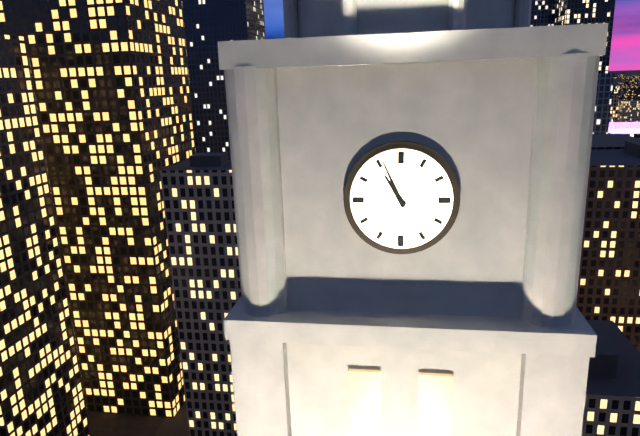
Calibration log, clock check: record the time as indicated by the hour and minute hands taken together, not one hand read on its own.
10:56
